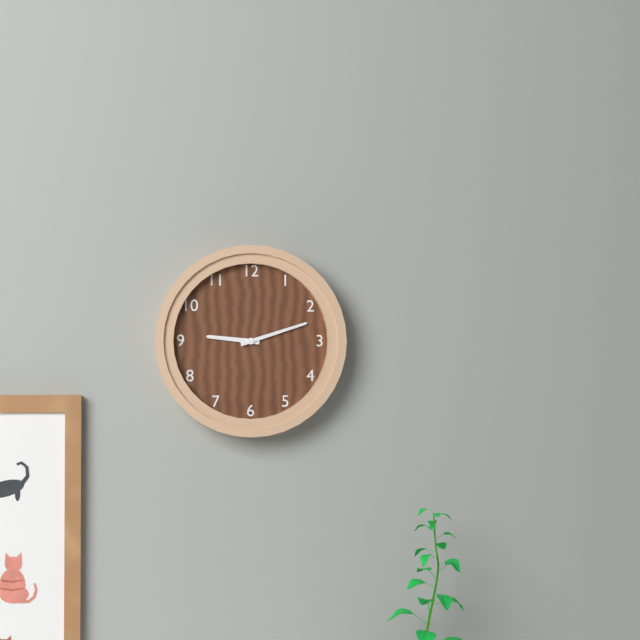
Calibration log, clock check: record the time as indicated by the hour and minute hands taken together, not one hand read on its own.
9:12
